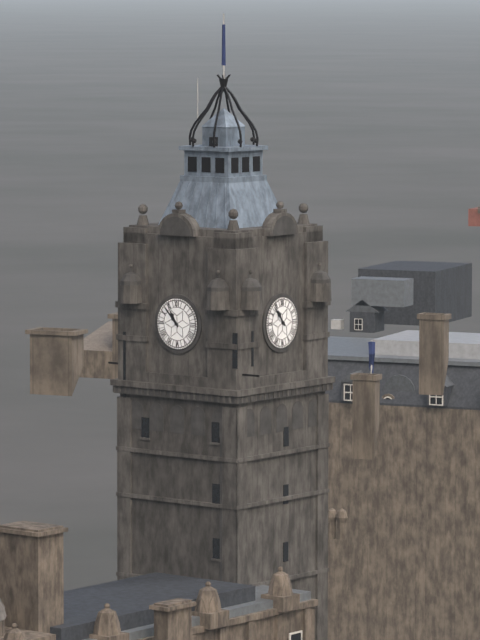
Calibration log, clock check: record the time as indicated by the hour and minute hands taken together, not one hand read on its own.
10:53
